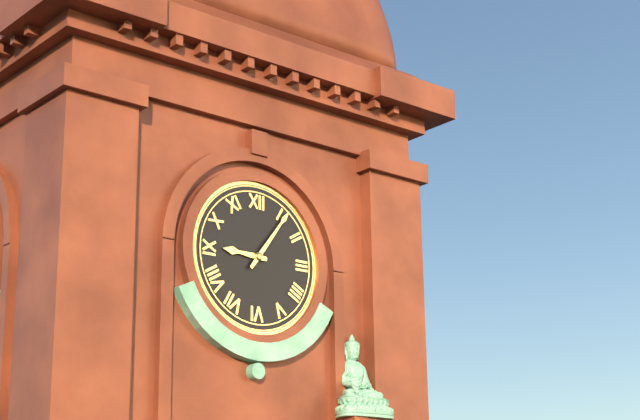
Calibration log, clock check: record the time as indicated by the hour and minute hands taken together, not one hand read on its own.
9:06
